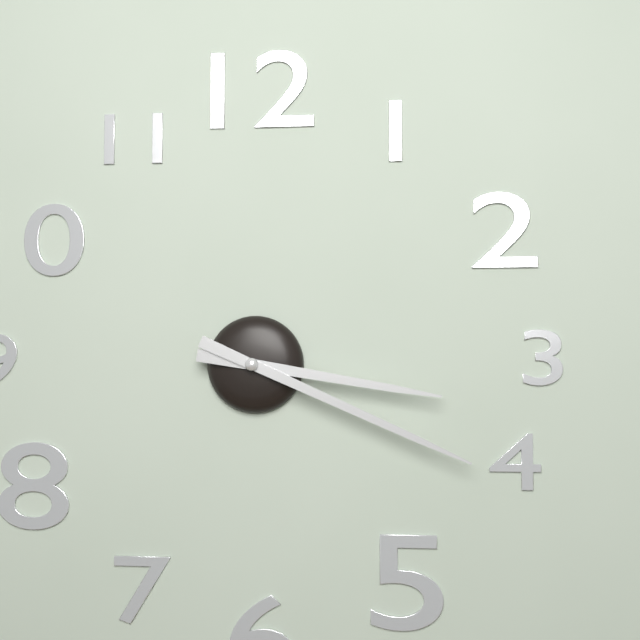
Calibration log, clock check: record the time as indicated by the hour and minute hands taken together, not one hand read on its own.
3:19
